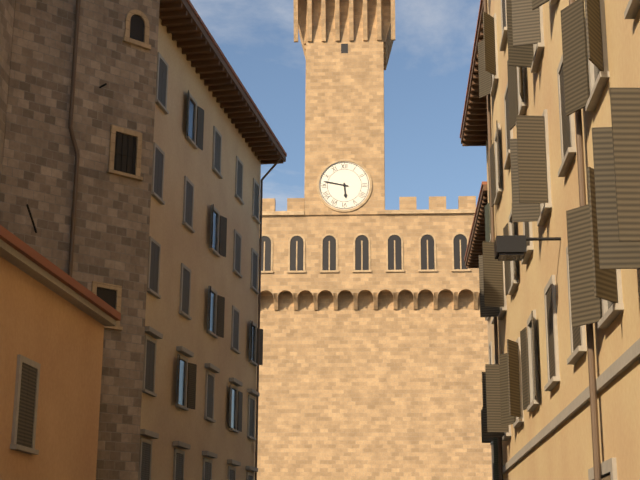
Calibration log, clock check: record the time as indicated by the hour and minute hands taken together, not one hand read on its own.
5:47
